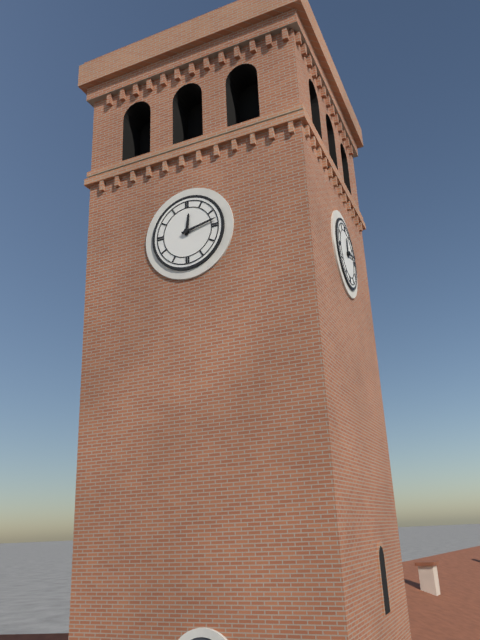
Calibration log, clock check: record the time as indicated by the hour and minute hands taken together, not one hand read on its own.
12:13
